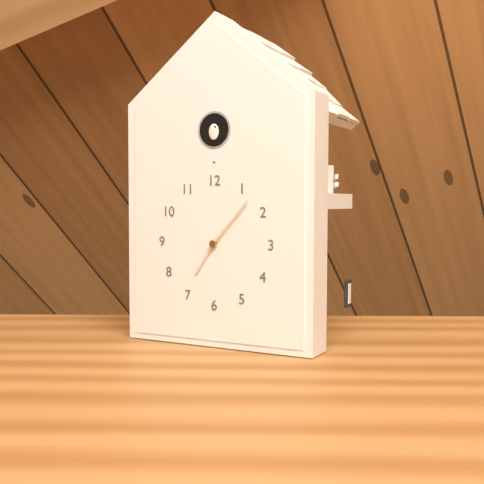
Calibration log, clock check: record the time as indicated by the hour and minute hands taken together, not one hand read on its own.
7:07
